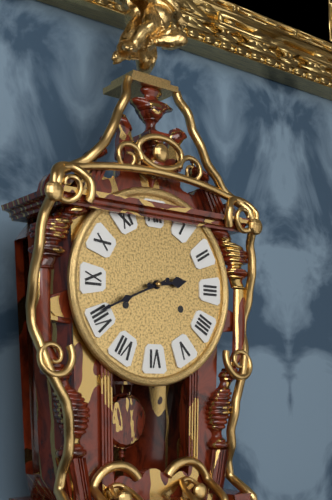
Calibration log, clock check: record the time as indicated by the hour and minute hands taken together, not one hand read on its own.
2:41
